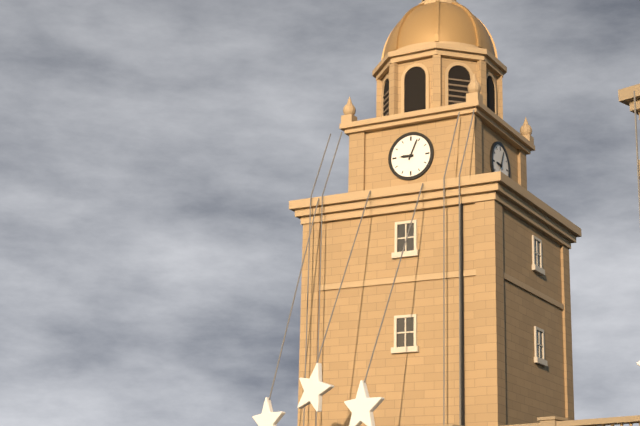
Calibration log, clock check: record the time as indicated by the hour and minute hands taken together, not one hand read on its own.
9:04
